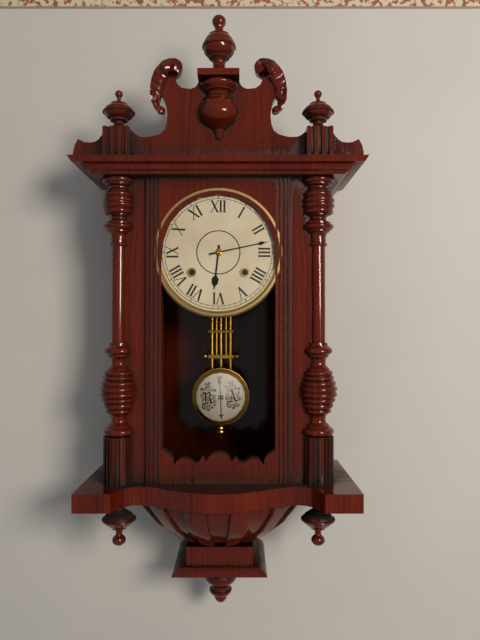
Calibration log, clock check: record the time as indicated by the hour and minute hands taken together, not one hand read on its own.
6:13
